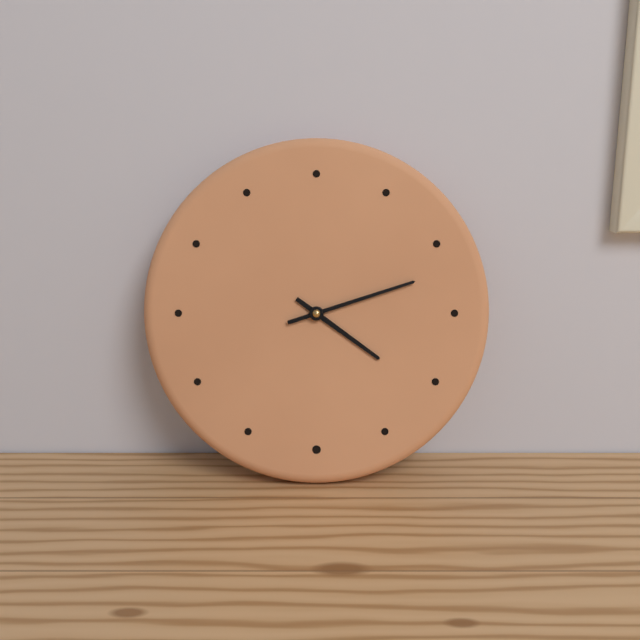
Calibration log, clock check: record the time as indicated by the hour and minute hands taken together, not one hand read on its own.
4:12
